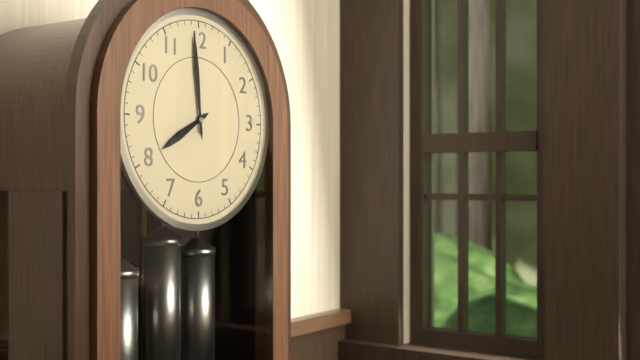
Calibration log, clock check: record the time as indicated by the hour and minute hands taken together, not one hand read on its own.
7:59
